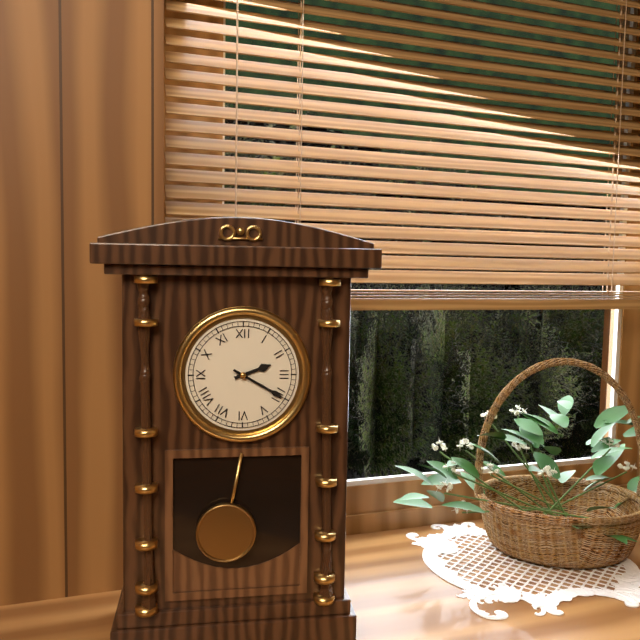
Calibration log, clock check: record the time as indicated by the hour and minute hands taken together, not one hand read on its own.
2:20
